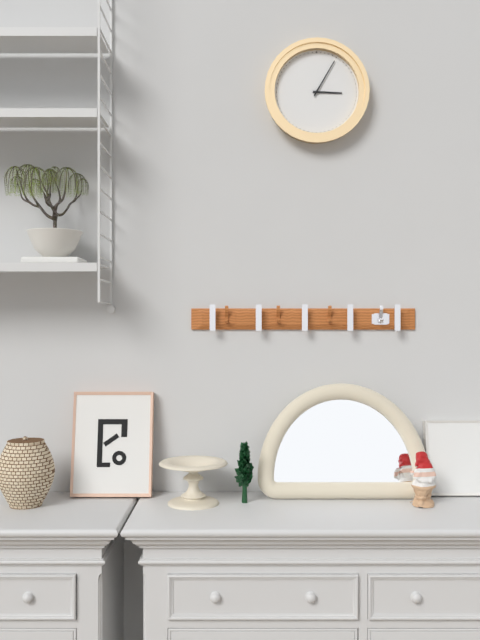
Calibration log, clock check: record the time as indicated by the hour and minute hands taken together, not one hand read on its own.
3:05
